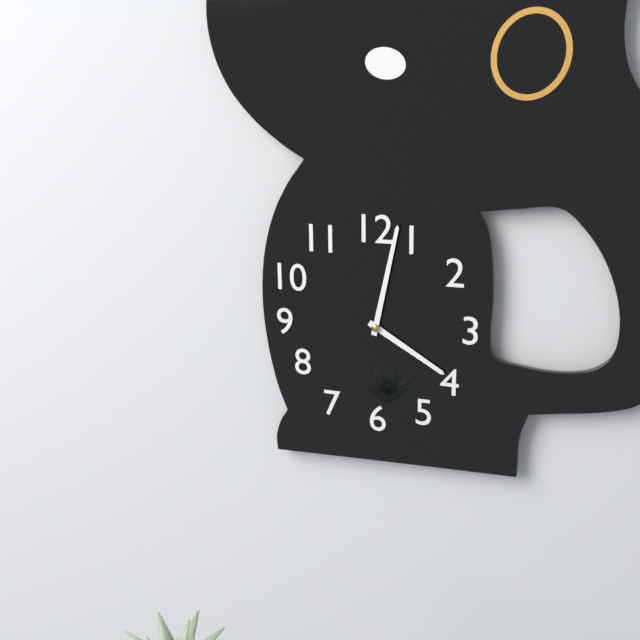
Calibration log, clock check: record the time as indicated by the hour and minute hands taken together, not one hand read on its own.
4:02
